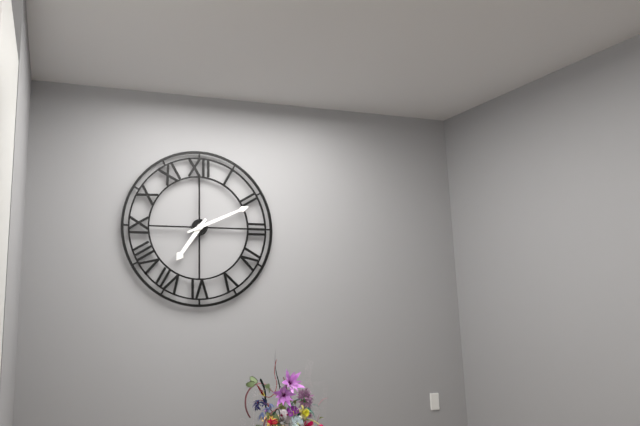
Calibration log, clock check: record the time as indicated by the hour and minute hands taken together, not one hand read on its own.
7:11
